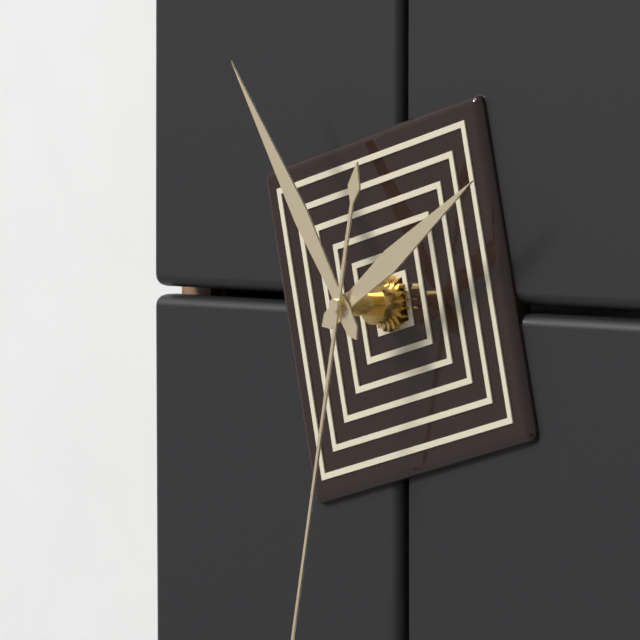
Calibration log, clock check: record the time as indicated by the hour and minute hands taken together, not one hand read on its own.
1:54
